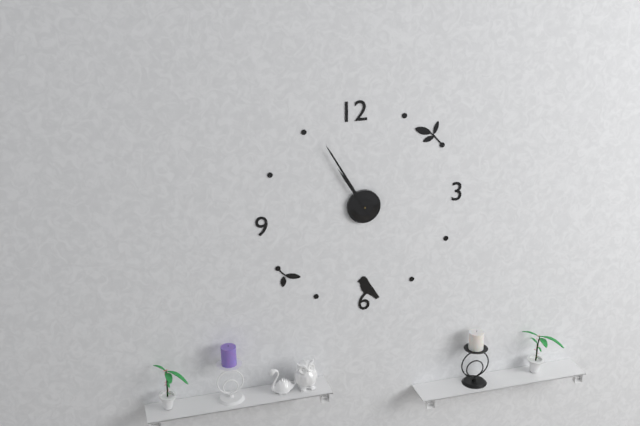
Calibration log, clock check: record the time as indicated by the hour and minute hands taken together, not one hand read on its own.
10:55
